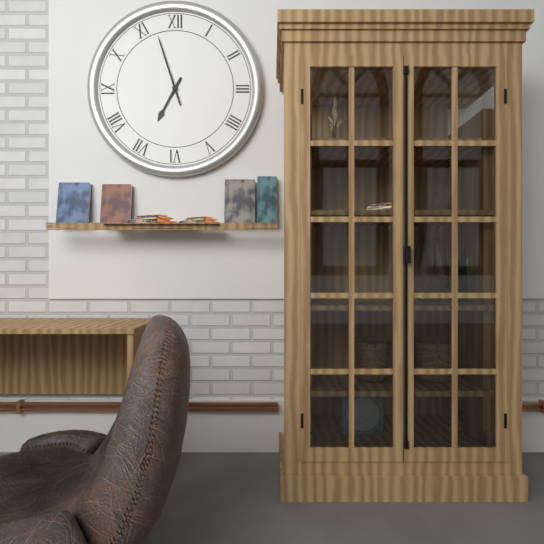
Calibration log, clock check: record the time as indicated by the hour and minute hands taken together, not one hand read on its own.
6:57
